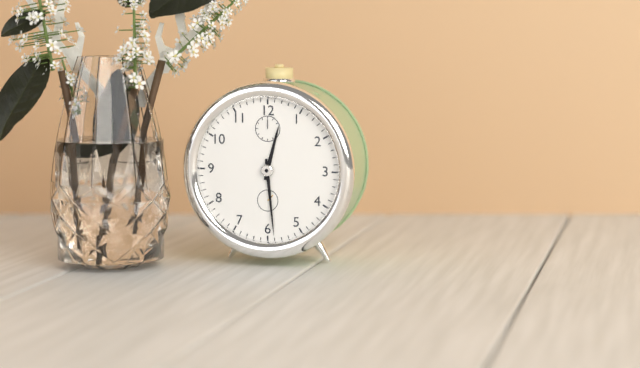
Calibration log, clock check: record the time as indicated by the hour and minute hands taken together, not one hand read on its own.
12:29
